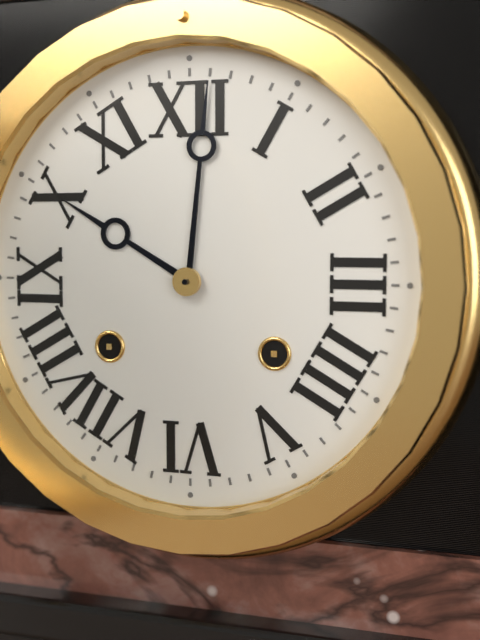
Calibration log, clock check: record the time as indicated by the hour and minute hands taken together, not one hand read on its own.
10:01
